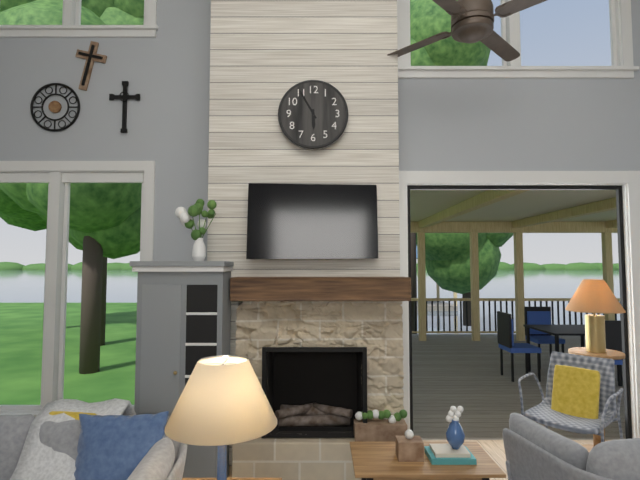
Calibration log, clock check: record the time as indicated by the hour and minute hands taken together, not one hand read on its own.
5:55
